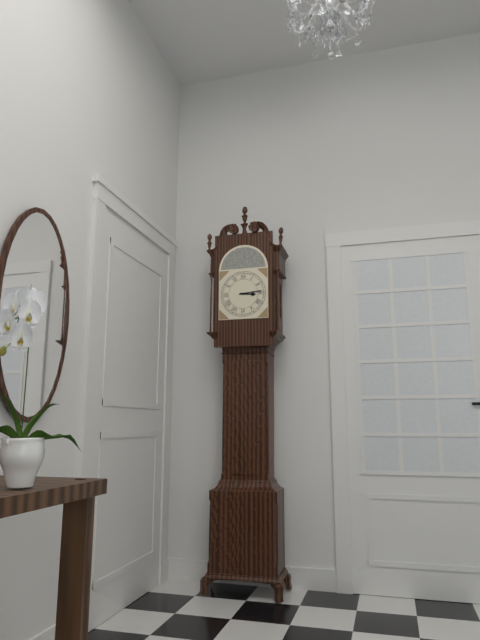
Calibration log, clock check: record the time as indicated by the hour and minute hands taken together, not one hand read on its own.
3:14
